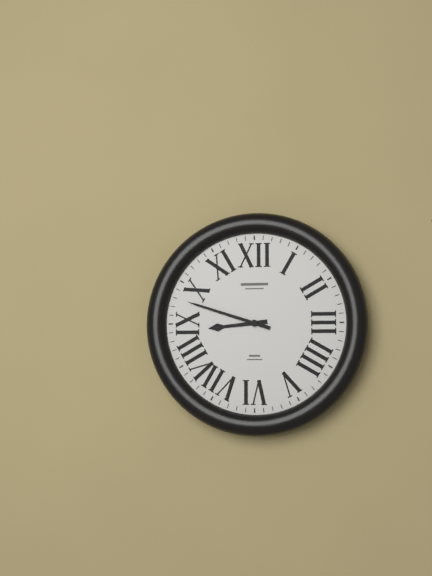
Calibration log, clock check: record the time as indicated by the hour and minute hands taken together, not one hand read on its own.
8:48
